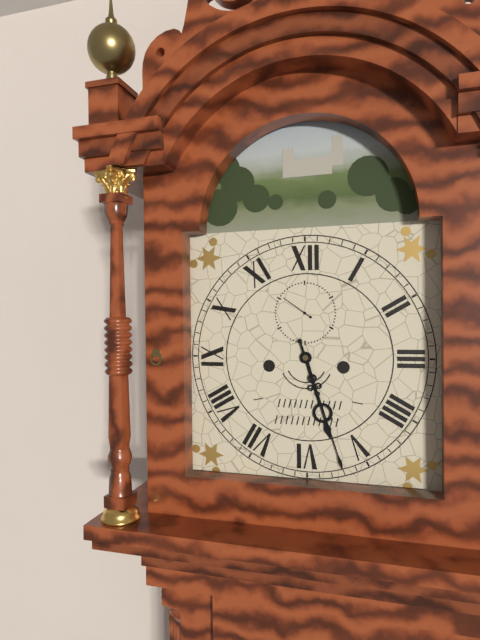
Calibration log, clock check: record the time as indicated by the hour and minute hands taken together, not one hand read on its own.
5:27
